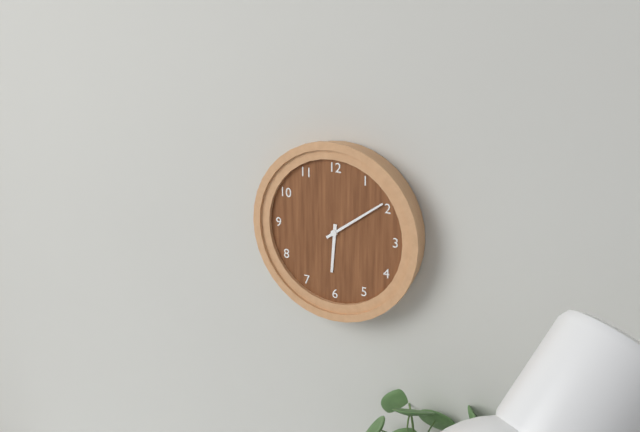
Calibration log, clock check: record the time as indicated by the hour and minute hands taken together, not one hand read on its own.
6:09
